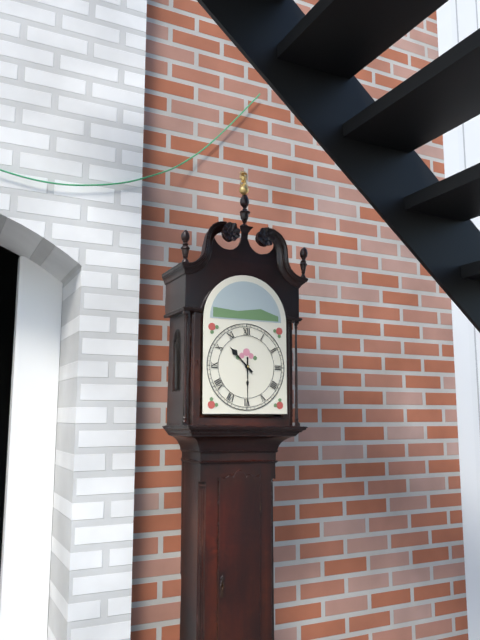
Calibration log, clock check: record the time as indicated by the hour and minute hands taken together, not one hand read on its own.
10:30
